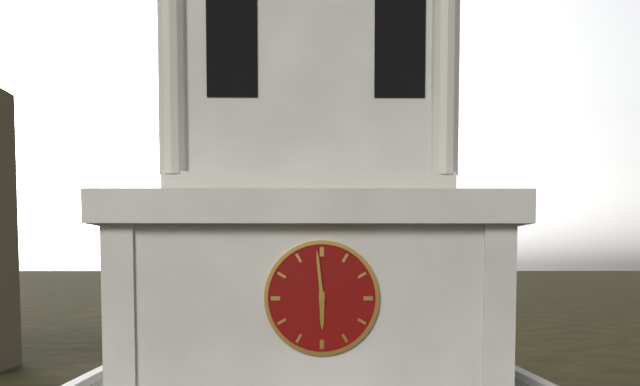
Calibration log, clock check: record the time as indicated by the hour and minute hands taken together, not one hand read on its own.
5:59
